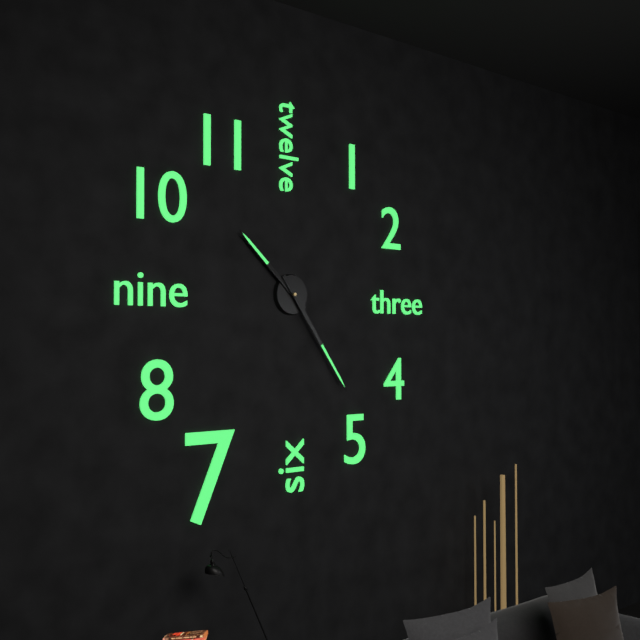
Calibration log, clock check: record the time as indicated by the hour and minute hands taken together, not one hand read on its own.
10:24
